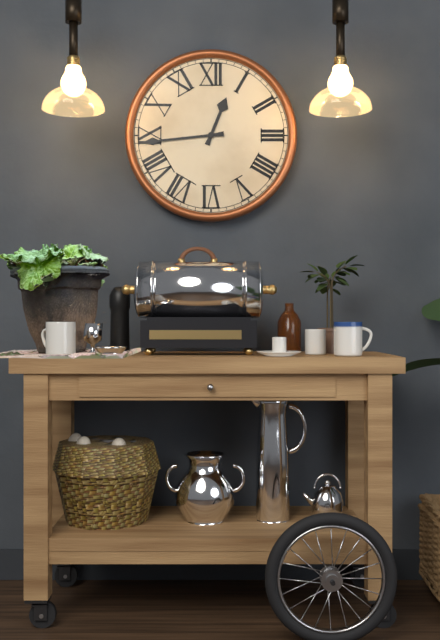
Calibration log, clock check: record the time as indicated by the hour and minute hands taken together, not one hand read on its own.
12:44
